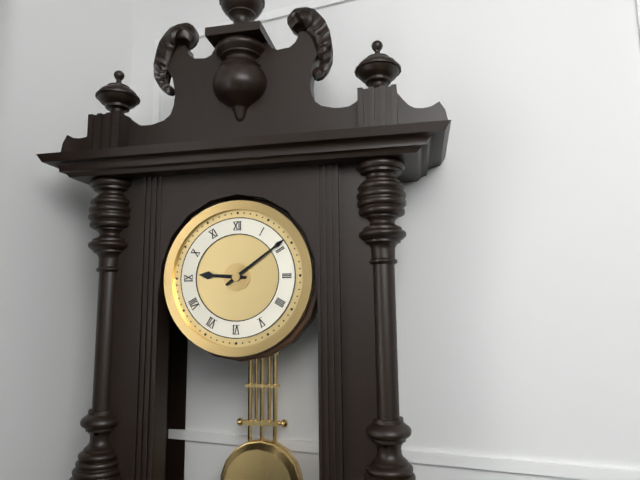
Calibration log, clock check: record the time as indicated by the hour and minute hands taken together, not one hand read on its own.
9:09
